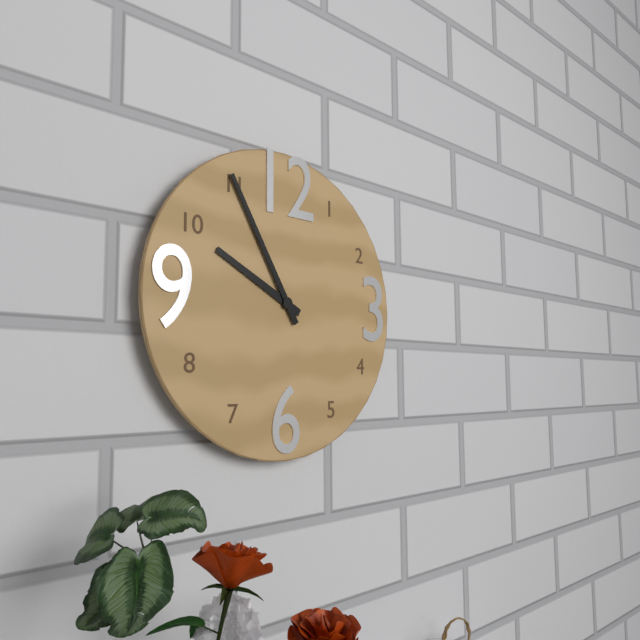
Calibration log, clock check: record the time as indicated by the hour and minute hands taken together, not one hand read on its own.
9:55
